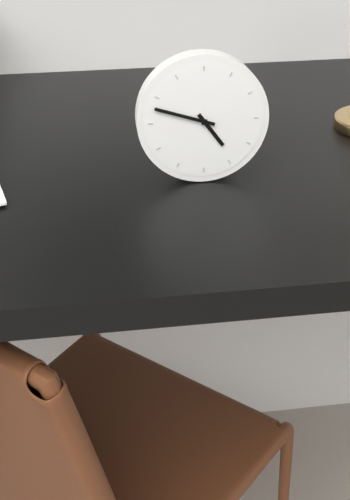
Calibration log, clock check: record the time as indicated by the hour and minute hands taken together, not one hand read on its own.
4:48
